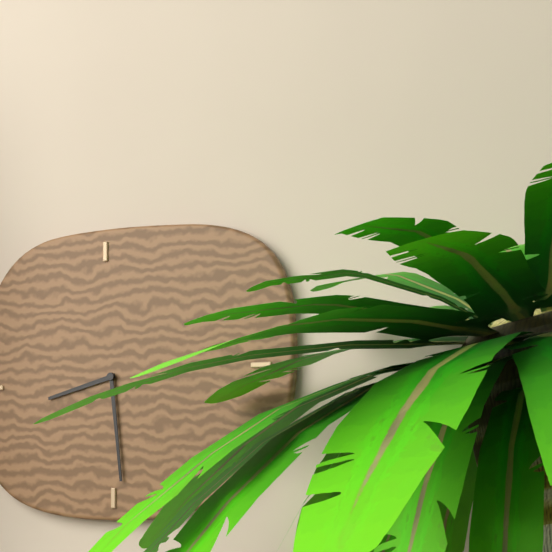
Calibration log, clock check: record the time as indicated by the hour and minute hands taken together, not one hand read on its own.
8:29
